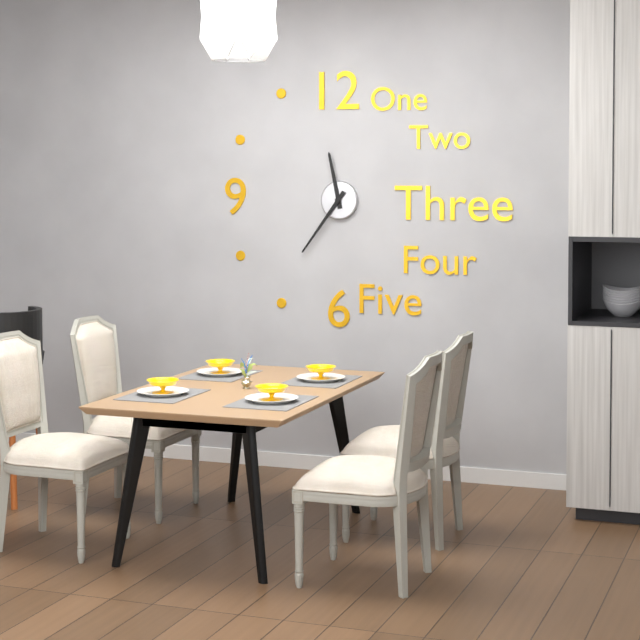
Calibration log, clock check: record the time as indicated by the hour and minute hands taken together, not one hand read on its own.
11:36
